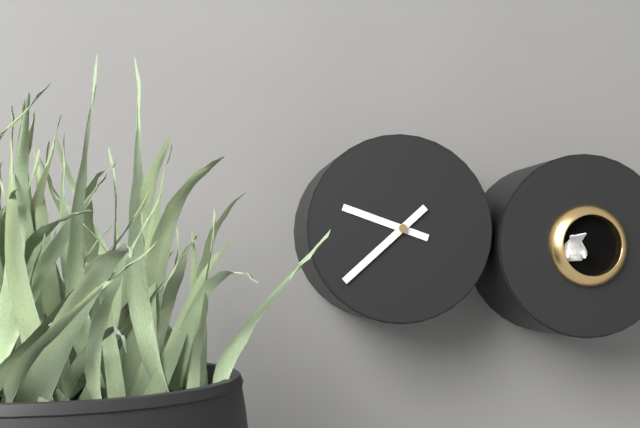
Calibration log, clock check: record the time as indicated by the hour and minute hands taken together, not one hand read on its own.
9:38
